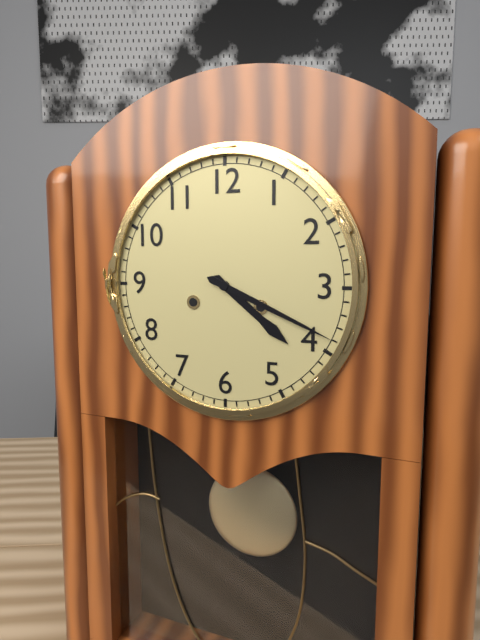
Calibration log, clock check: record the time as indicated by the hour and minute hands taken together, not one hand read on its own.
4:19
